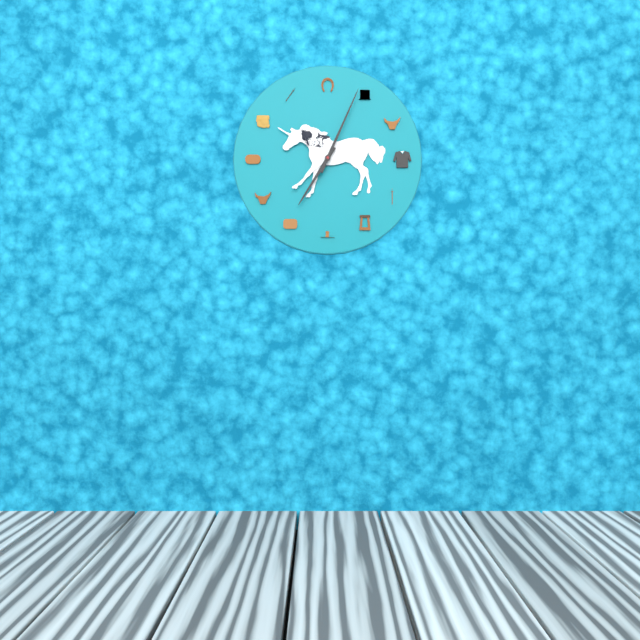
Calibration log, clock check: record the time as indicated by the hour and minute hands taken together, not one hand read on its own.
7:04
